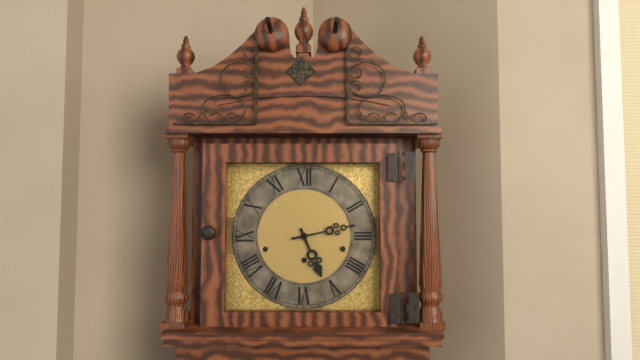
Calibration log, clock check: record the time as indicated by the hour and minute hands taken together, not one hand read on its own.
5:13
